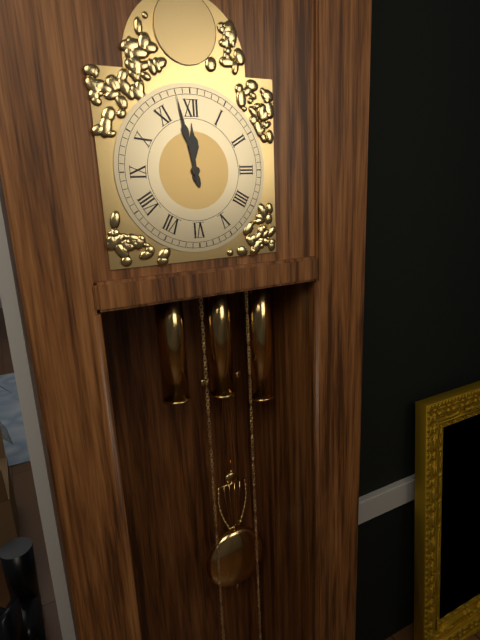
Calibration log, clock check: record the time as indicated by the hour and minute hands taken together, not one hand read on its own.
11:58
